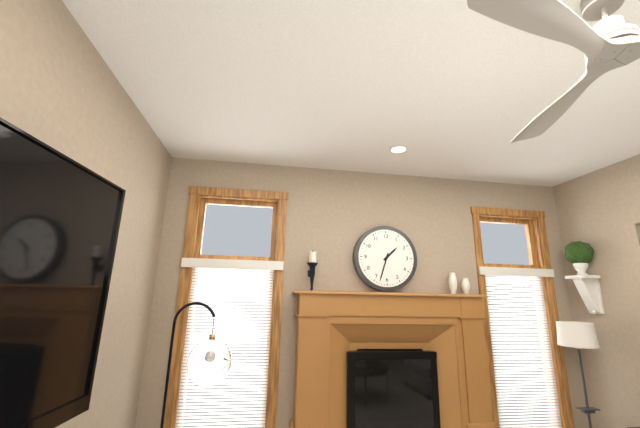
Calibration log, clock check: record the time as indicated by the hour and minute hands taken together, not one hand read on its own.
1:33
